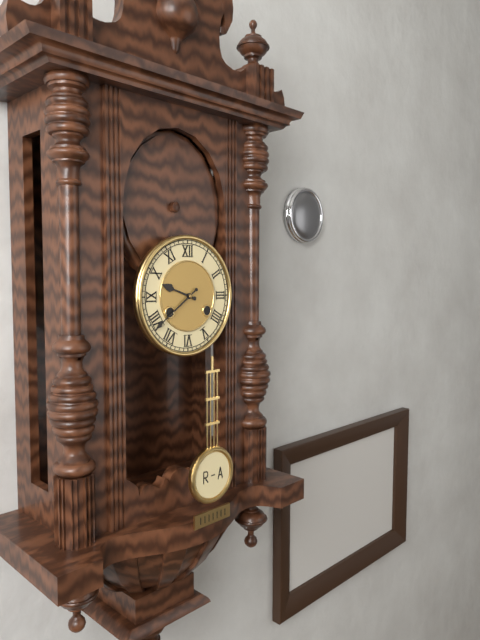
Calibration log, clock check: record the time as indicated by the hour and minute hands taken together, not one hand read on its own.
9:39
